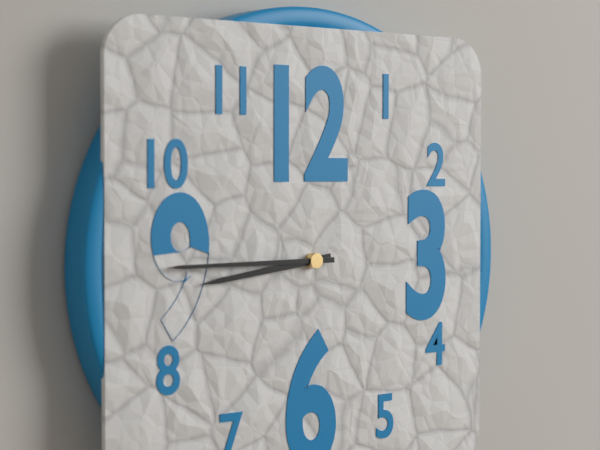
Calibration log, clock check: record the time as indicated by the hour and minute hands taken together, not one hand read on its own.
8:45
